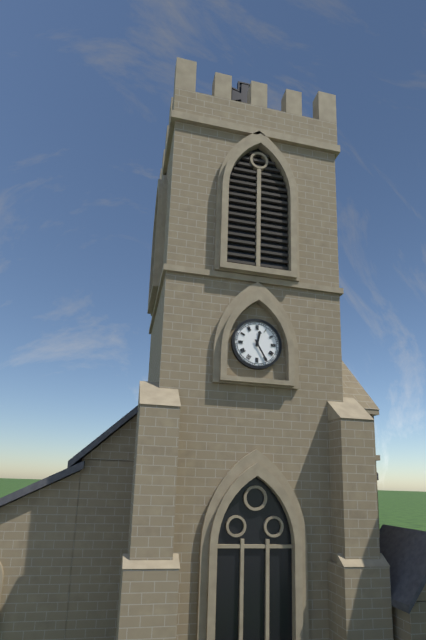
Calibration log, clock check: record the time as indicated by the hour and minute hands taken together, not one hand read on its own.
12:25
